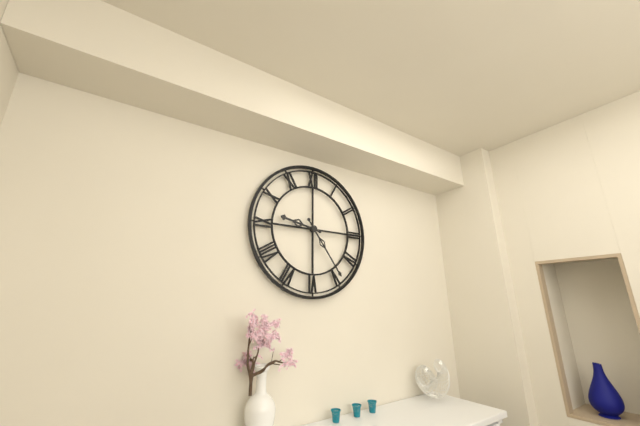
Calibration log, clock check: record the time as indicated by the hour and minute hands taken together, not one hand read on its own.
9:24
